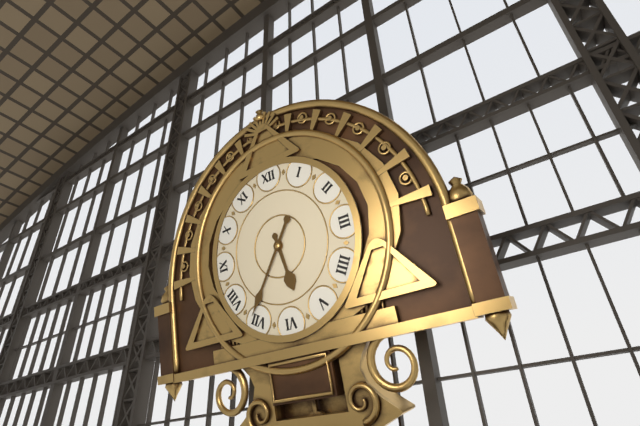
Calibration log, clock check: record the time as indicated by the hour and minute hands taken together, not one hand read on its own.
5:36
